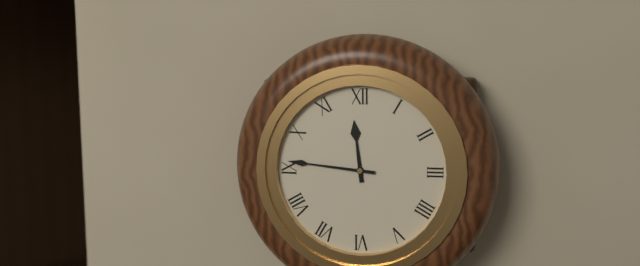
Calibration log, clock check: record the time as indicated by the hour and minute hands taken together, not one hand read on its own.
11:46
